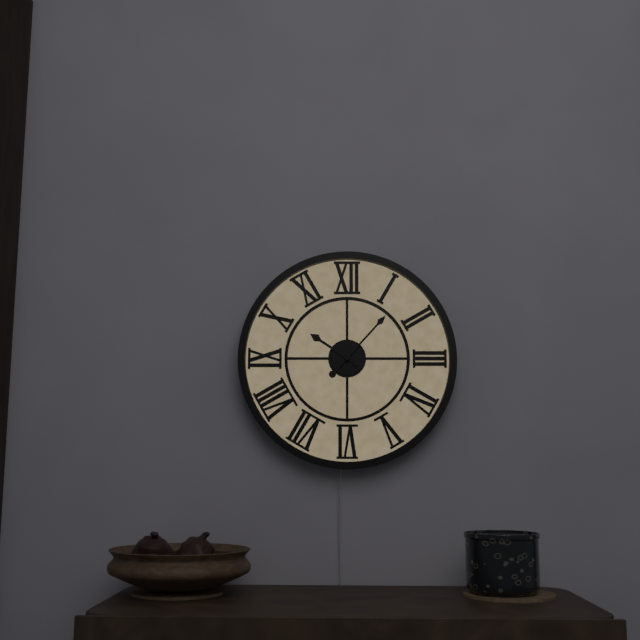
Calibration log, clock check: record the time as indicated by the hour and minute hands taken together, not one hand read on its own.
10:07
